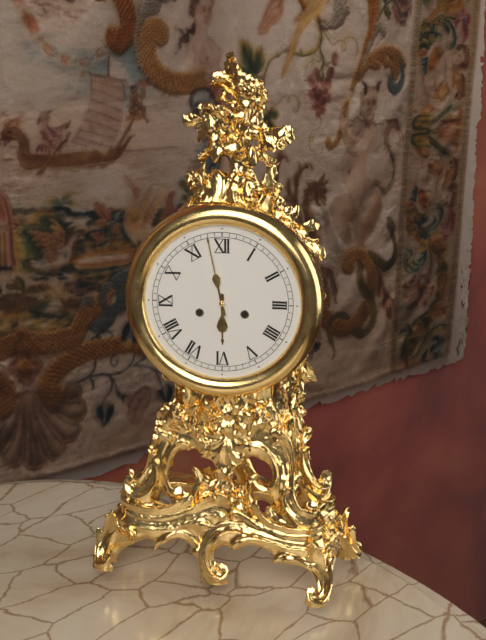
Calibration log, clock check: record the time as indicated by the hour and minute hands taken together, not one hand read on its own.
5:58
